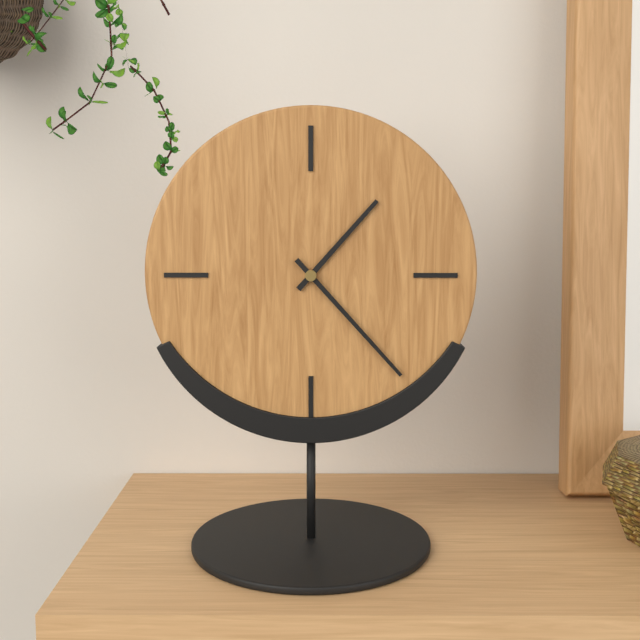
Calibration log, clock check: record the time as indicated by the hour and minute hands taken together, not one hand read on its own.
1:23
